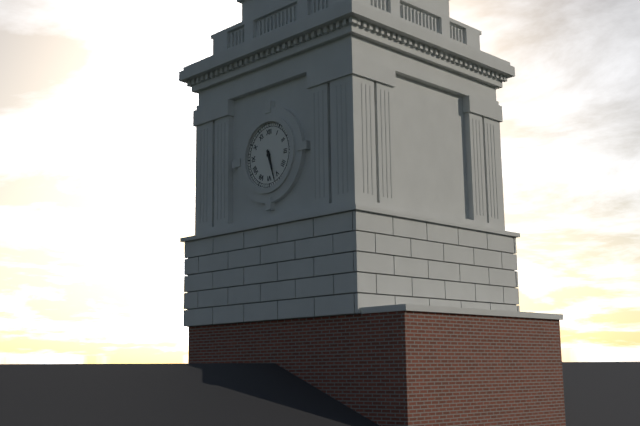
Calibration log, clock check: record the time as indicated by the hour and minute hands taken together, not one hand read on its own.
5:27
